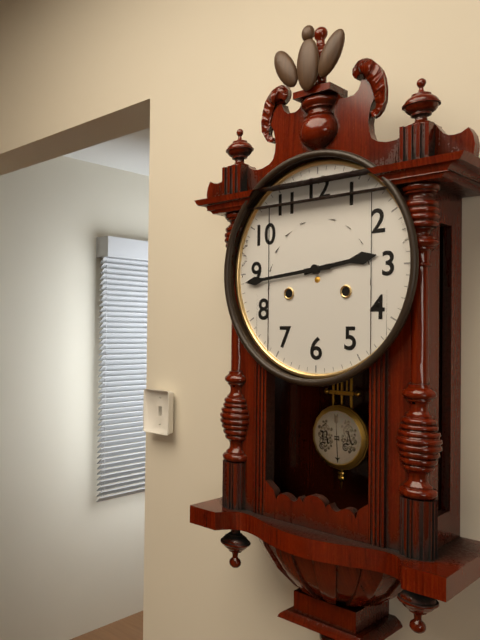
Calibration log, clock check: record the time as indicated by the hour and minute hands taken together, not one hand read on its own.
2:44
